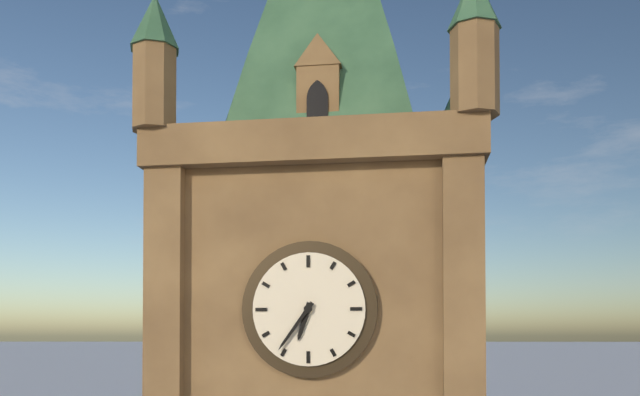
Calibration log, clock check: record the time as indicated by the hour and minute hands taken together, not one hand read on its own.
6:36
